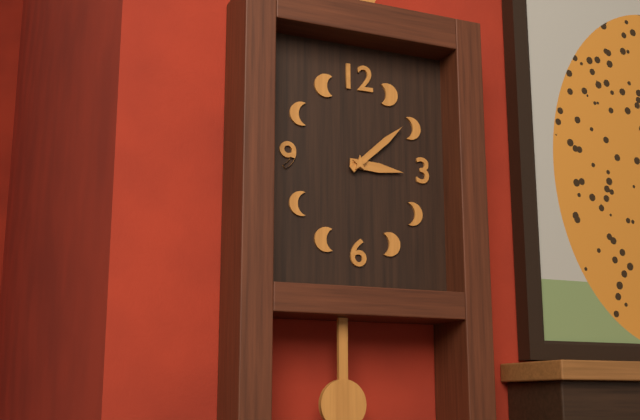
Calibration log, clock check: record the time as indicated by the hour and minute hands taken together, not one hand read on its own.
3:08
